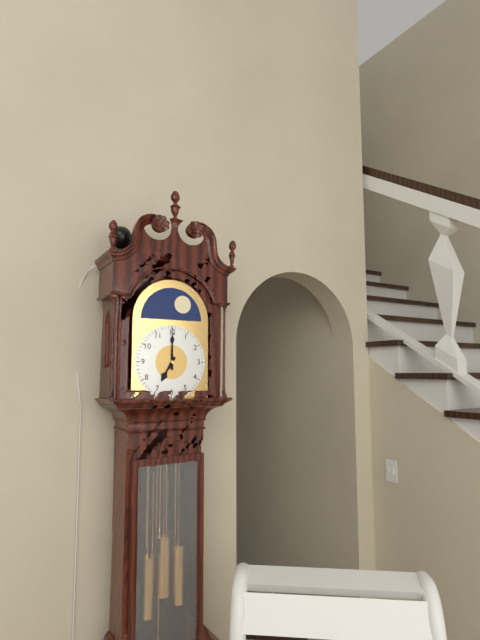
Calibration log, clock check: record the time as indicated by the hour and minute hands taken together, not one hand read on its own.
7:00
